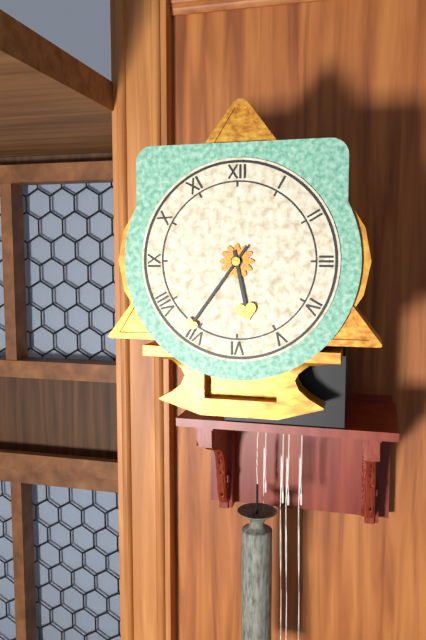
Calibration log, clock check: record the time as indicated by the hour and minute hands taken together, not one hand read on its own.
5:36
